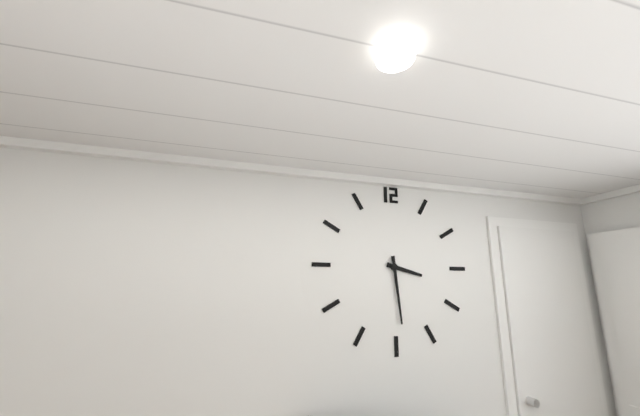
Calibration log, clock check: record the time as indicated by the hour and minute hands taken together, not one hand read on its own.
3:29
